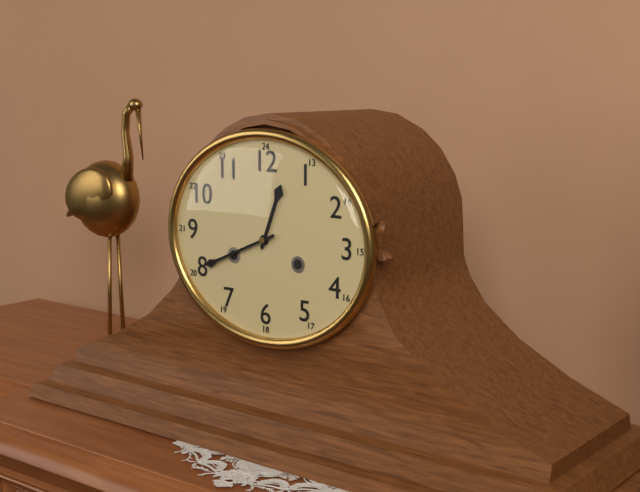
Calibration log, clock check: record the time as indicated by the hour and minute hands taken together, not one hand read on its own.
12:41
